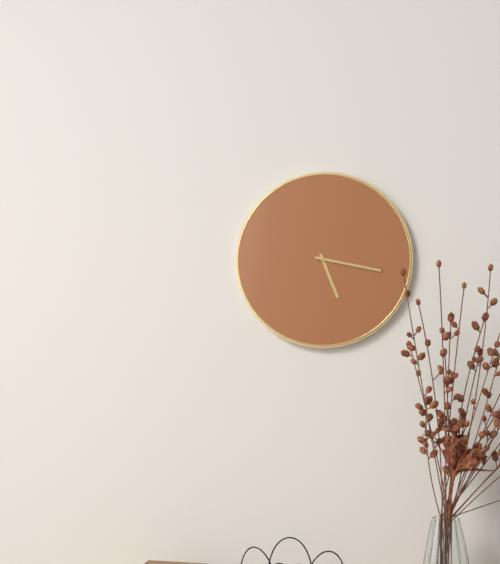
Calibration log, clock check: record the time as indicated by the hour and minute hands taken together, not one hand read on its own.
5:17
